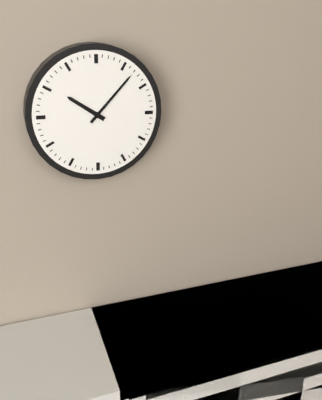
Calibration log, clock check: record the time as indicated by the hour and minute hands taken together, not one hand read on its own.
10:07
